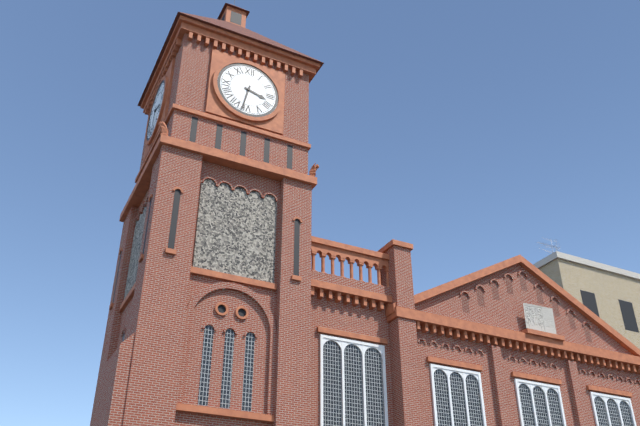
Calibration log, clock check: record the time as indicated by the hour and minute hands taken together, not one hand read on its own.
3:32
